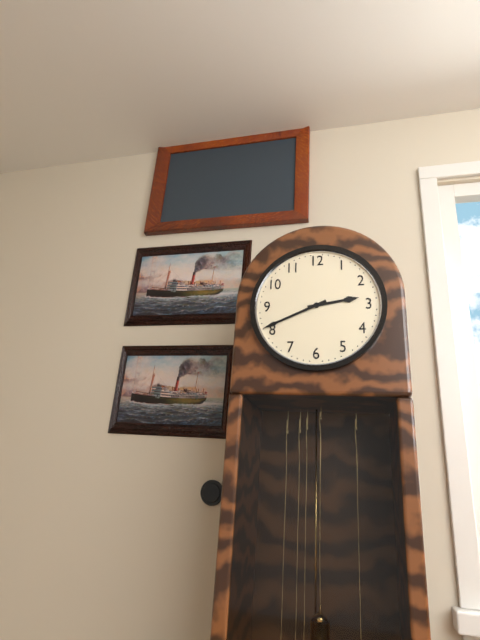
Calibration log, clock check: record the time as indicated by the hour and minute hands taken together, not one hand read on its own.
2:41
